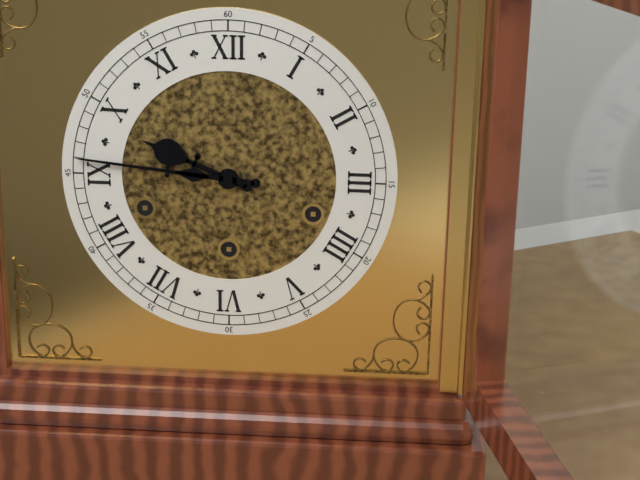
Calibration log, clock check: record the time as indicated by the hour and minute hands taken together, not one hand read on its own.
9:46
